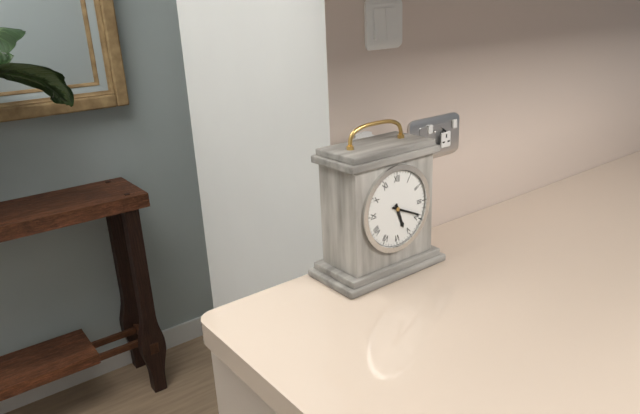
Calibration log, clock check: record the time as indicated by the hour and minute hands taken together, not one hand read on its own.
5:19
